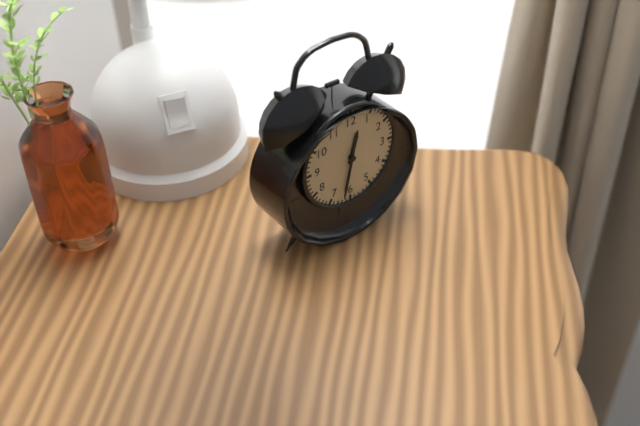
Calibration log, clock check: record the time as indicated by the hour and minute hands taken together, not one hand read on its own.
12:32
